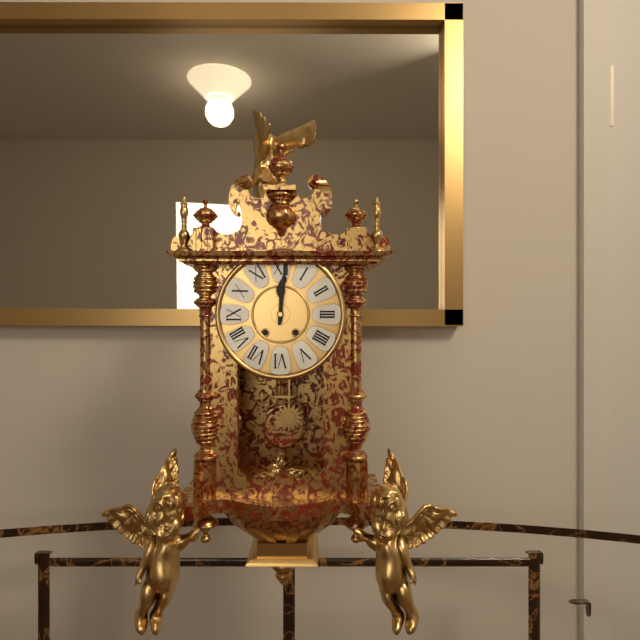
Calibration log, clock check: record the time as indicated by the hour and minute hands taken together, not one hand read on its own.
12:01
